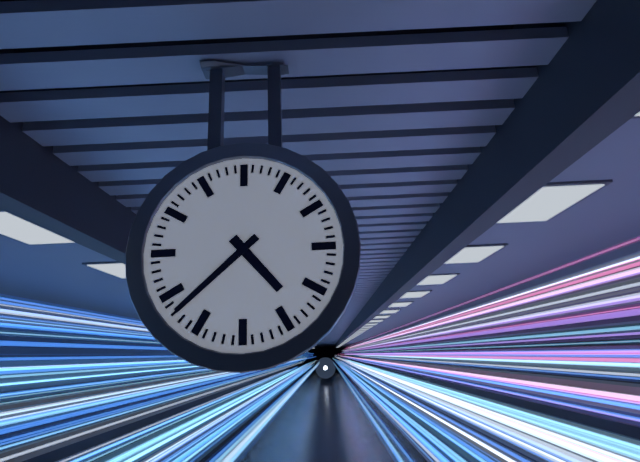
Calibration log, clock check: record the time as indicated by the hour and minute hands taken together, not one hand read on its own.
4:38
